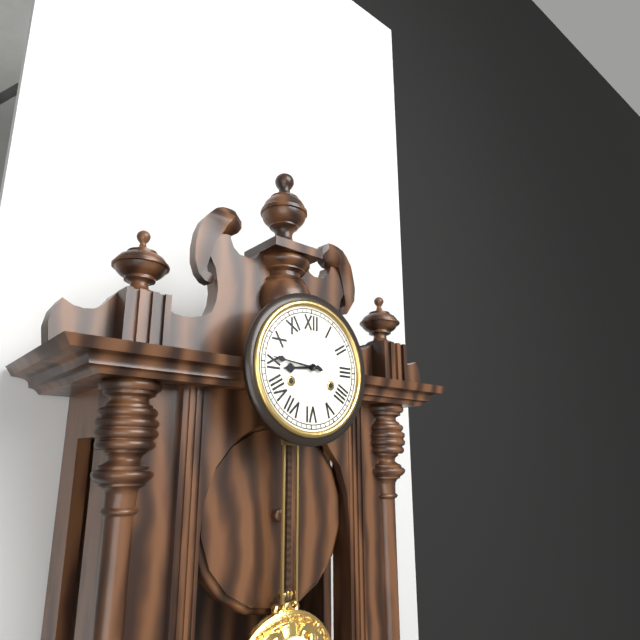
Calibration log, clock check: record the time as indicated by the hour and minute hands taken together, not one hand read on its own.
8:46
